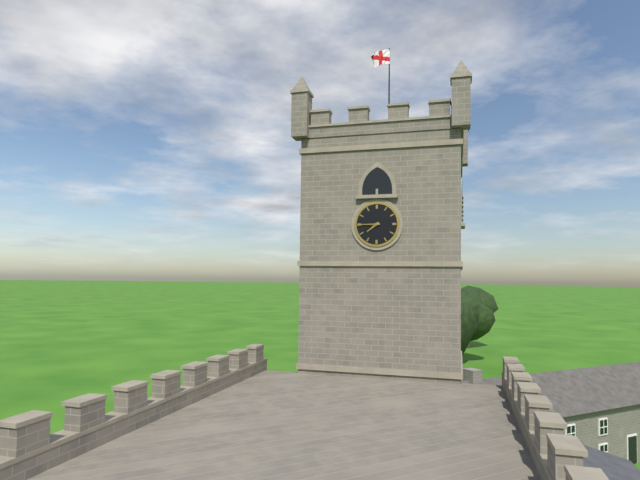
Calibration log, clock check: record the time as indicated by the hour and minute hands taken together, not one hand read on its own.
7:45
